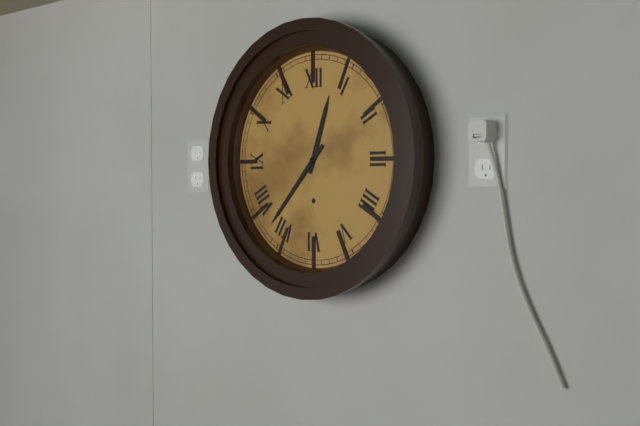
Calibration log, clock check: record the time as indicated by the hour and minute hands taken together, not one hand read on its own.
12:37
